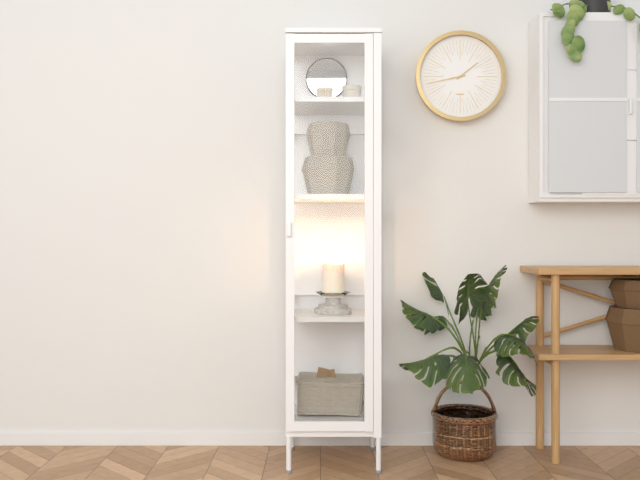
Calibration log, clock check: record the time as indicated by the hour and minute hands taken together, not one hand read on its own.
1:43
